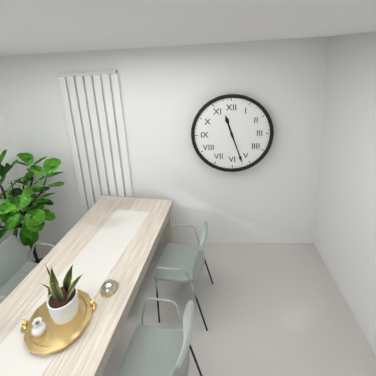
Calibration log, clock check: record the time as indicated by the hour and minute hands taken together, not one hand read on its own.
11:27
